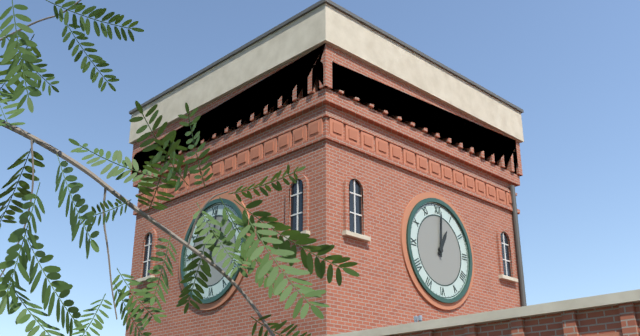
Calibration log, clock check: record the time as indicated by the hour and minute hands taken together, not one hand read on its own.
1:01
